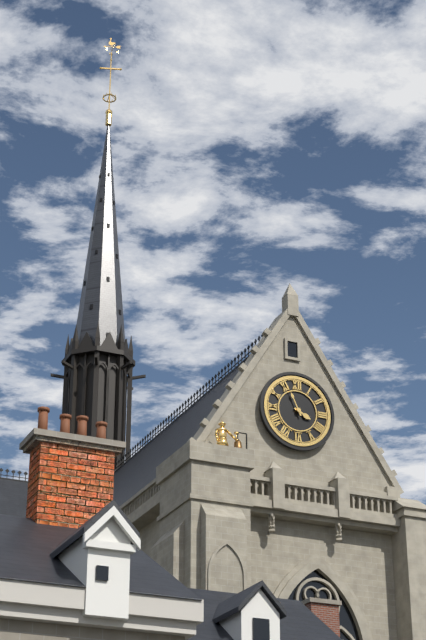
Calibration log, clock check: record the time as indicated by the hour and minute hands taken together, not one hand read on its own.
3:56
